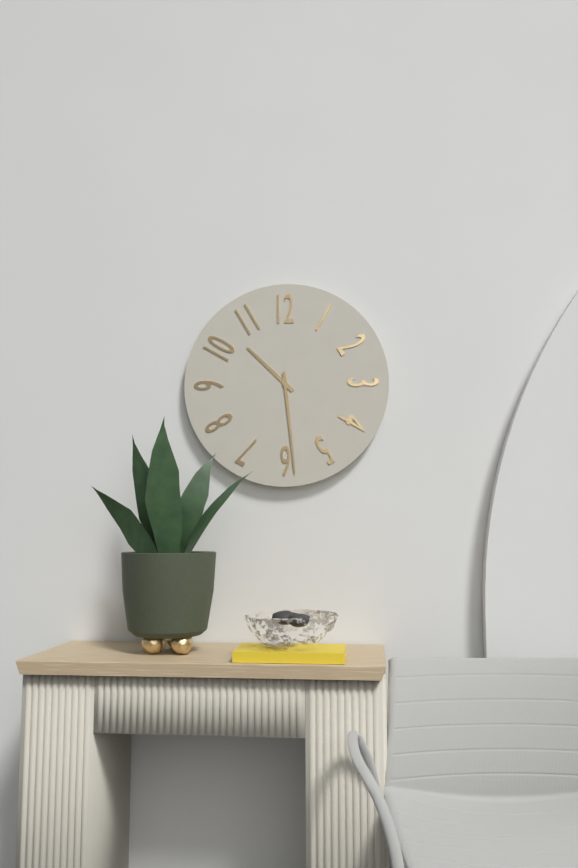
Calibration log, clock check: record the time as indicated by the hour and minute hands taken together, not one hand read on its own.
10:29
